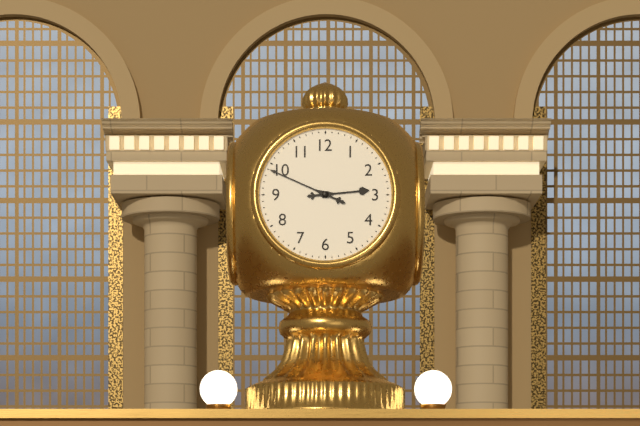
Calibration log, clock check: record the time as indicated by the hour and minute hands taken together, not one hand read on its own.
2:49
